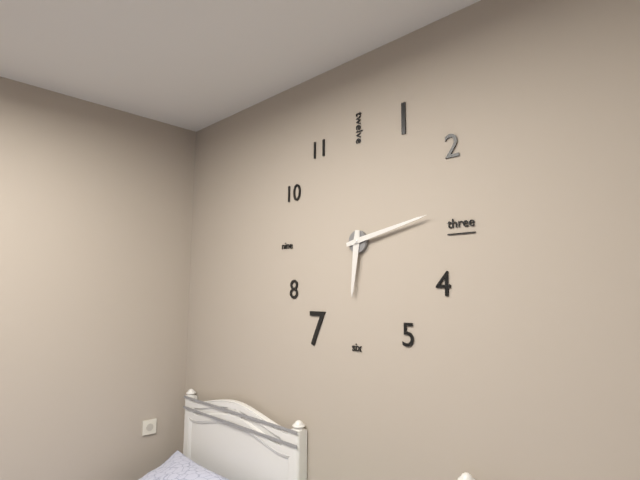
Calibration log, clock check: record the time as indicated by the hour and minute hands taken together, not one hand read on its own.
6:13
